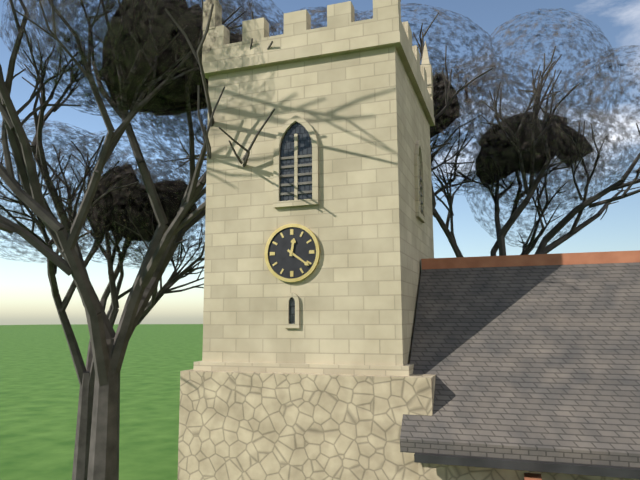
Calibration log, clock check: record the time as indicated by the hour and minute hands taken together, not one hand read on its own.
12:21
